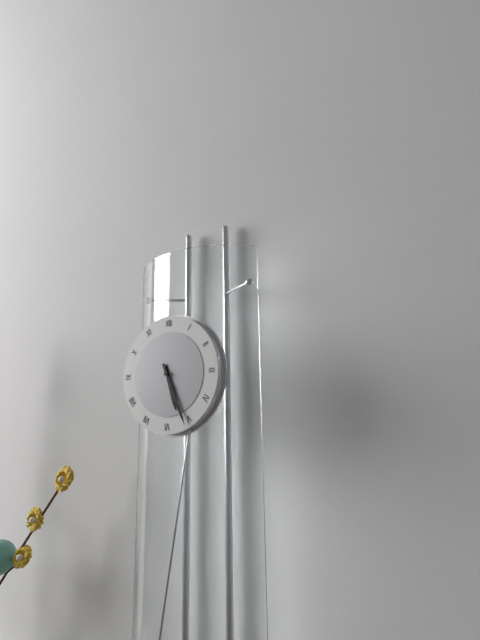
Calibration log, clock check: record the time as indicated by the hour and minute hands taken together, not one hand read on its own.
5:26
